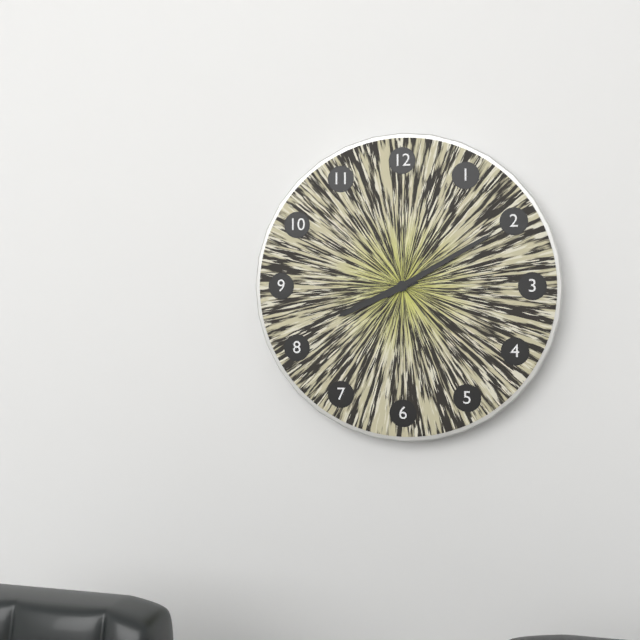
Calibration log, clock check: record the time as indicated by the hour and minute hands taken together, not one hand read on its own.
8:10
